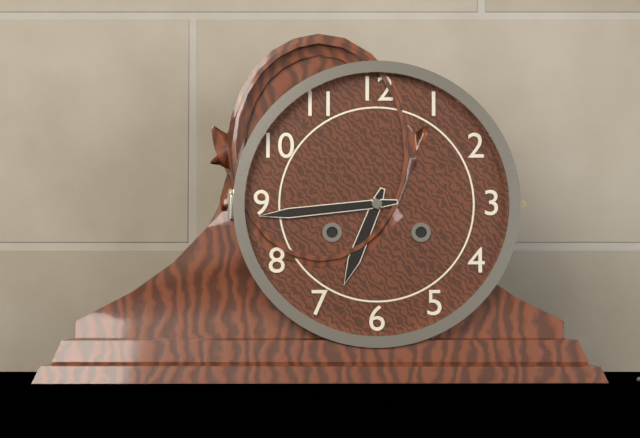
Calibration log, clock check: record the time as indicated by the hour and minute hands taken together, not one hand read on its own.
6:44
